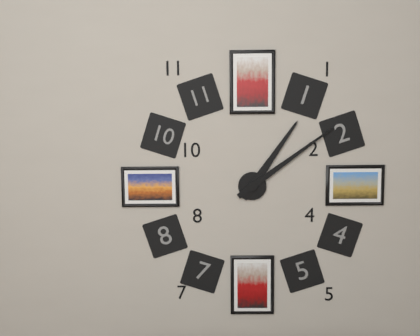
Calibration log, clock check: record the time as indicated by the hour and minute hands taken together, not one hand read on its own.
1:09
